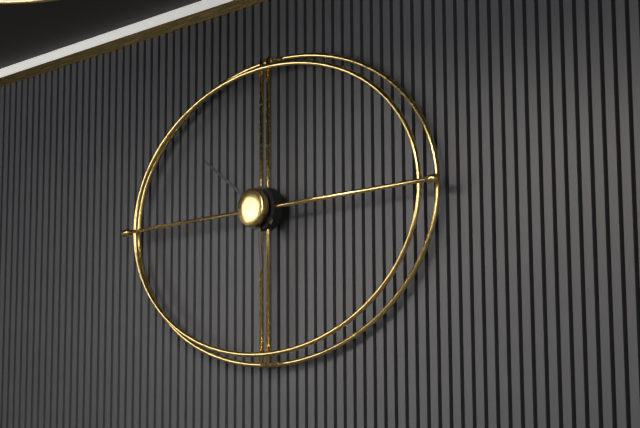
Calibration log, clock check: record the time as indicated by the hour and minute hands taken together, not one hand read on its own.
5:51
